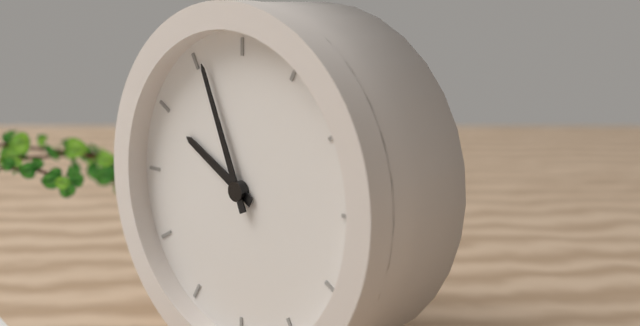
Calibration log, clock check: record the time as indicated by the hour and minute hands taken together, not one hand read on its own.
9:56
